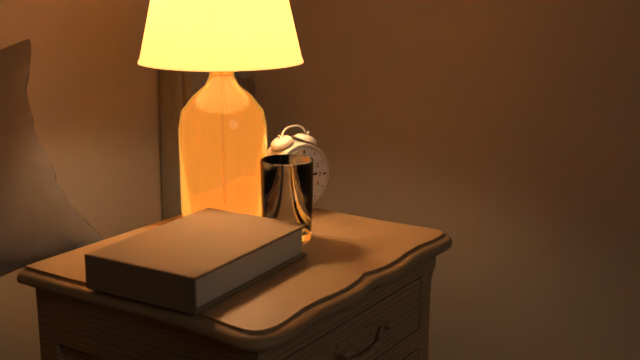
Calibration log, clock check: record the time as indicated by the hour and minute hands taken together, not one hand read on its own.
2:50
